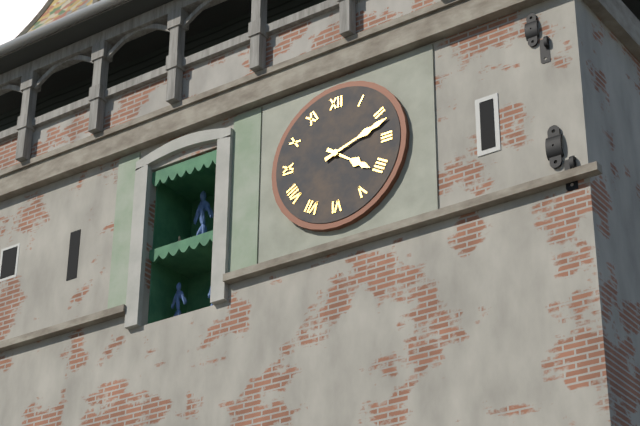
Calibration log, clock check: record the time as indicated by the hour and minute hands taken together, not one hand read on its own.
4:12
